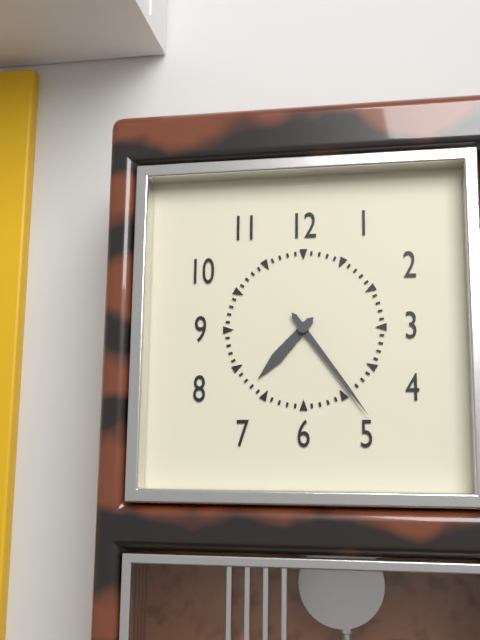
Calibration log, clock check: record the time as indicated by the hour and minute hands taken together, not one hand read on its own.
7:24
